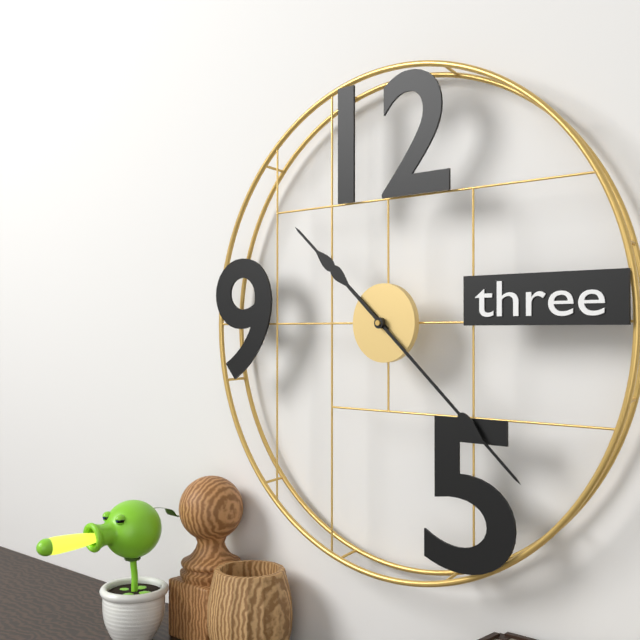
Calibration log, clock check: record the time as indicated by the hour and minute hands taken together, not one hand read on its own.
10:22
